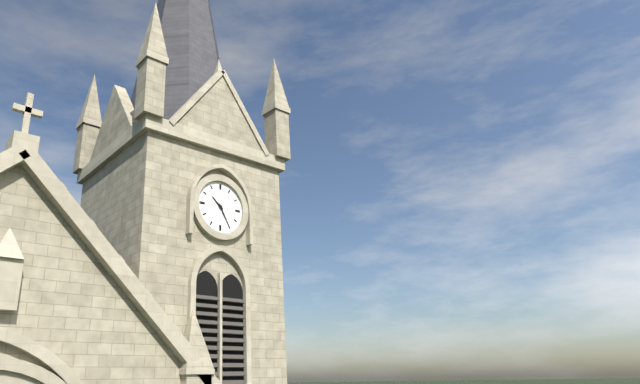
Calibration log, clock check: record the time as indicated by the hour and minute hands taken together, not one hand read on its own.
10:25
